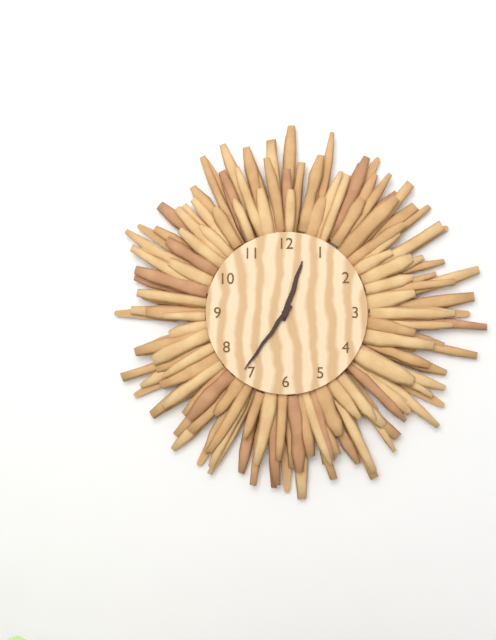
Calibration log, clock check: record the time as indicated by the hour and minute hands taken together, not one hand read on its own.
12:36
